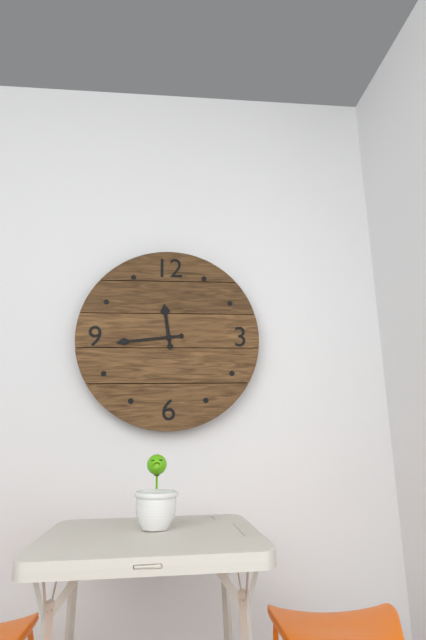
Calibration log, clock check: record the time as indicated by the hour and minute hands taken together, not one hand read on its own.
11:44
